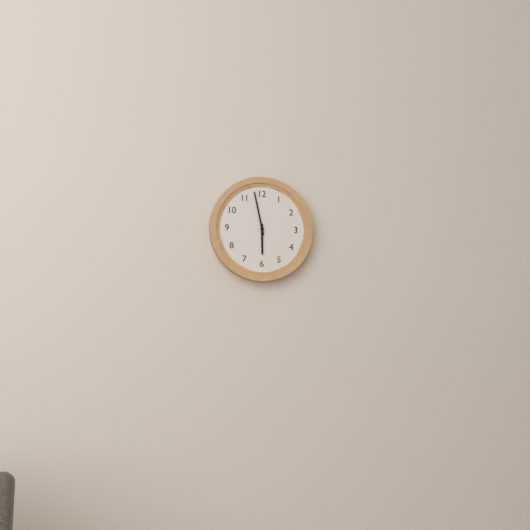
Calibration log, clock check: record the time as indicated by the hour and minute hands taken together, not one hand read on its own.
5:58
